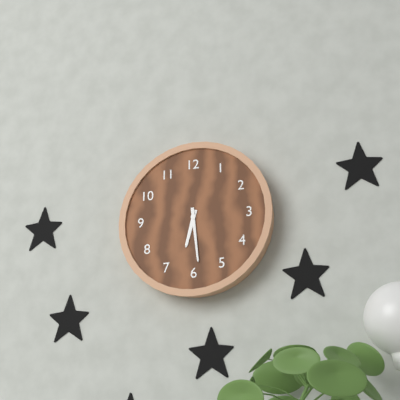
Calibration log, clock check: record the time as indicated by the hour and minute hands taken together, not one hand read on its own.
6:29
